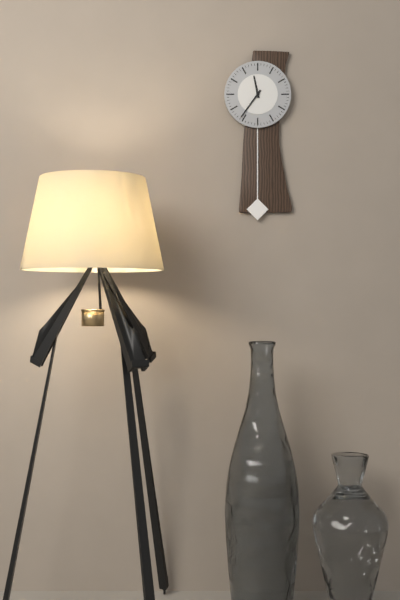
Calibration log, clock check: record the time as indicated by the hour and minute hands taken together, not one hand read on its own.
11:36
